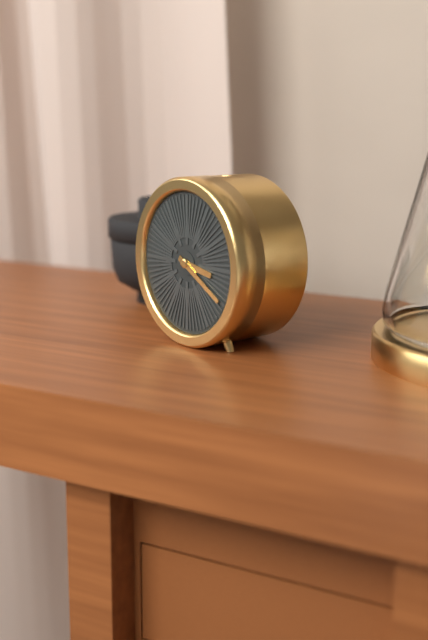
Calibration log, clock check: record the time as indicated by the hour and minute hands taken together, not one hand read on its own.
3:20
